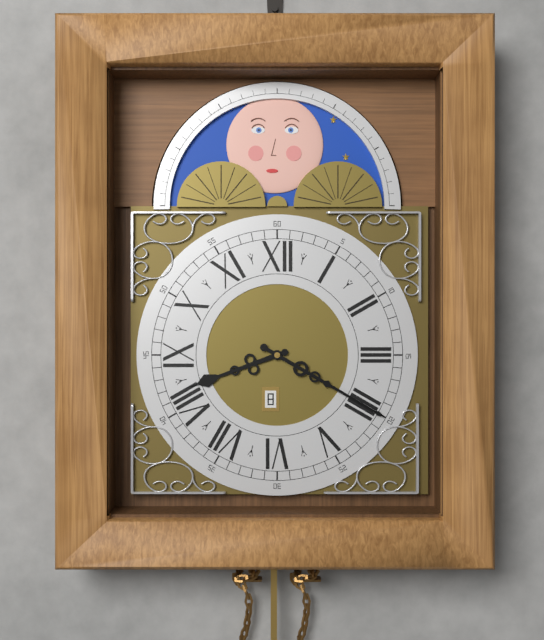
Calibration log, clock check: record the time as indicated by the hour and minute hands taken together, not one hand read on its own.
8:20
